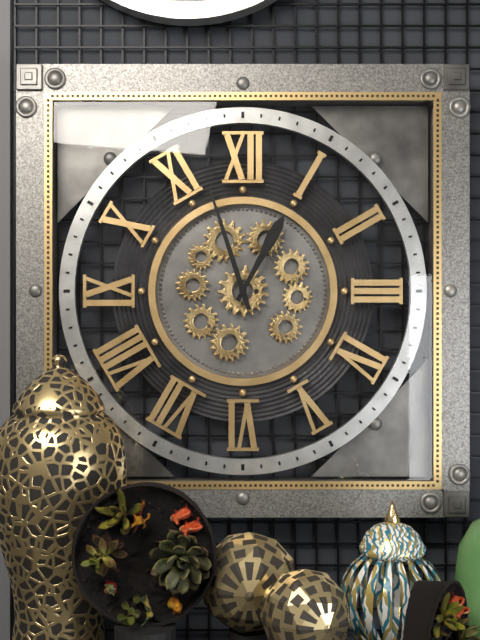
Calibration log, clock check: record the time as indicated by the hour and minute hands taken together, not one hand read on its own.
12:57
